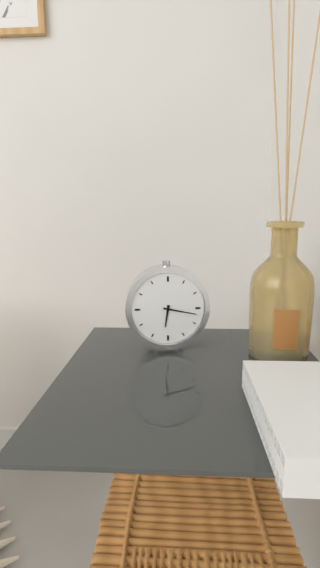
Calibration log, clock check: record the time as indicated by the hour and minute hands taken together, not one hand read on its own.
6:17
